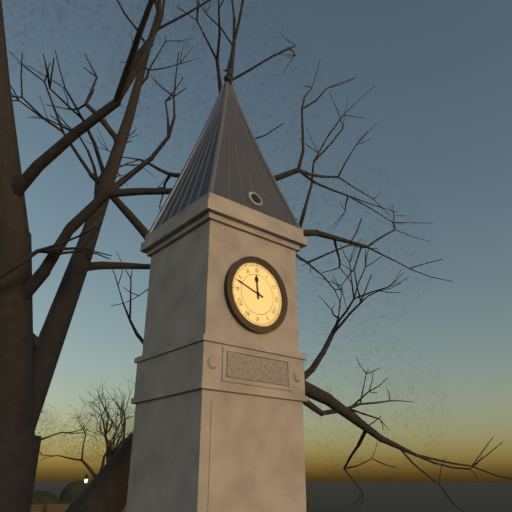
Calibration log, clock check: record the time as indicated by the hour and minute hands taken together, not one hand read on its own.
11:48
